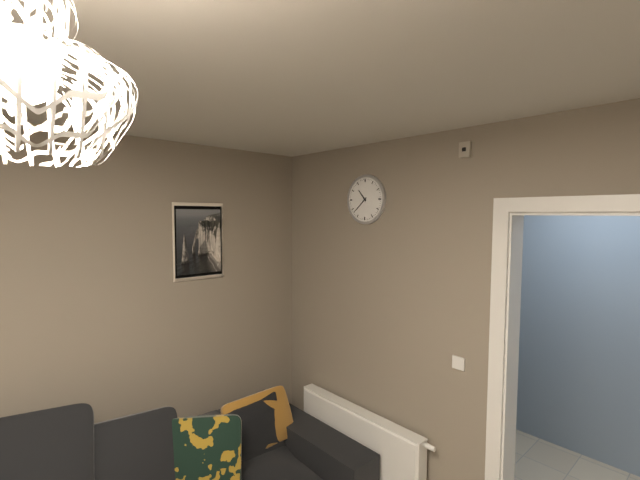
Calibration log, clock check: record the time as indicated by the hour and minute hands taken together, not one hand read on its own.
10:38
